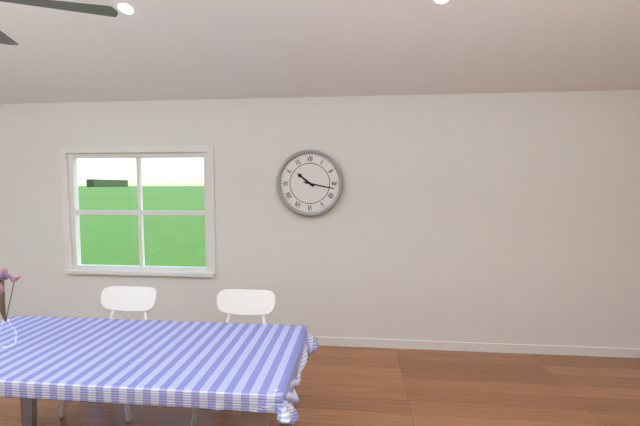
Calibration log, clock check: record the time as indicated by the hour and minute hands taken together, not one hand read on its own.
10:17
